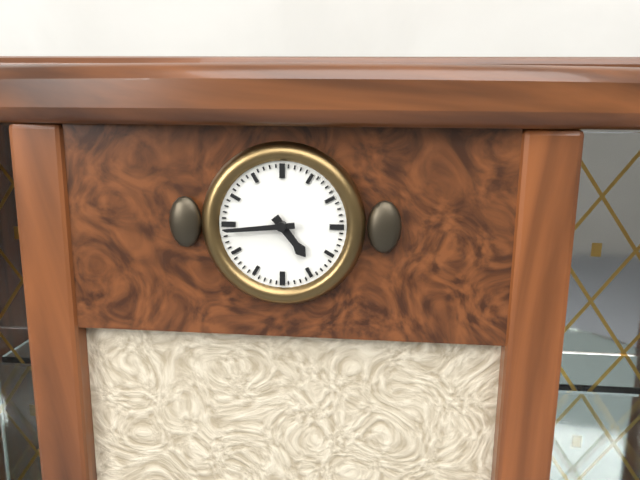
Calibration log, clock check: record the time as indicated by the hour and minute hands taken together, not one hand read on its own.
4:44
